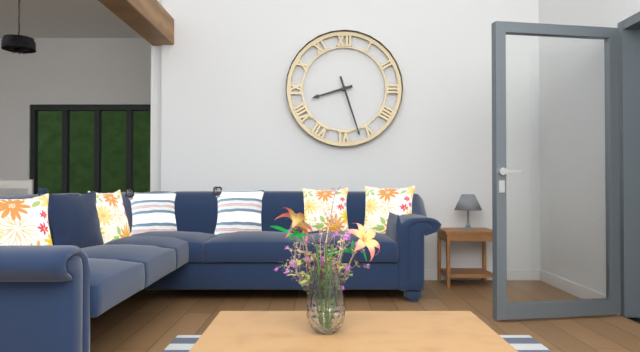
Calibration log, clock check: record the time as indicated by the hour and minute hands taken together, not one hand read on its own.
8:27
